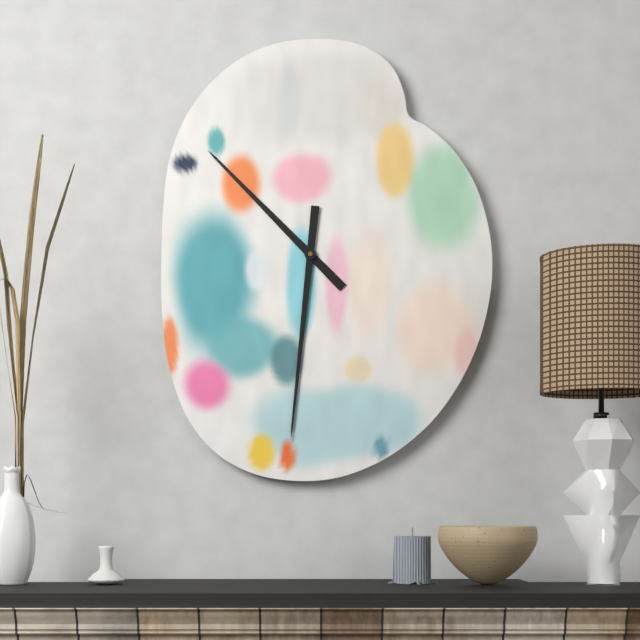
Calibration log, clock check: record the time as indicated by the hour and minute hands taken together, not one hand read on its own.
10:31
